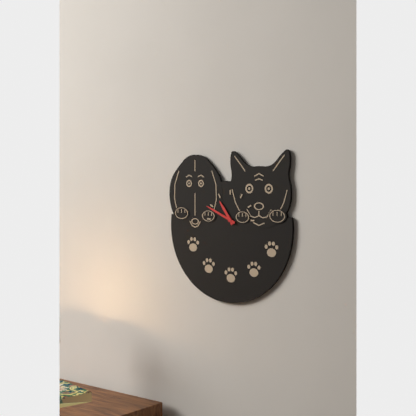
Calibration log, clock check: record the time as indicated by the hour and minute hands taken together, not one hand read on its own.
10:49
